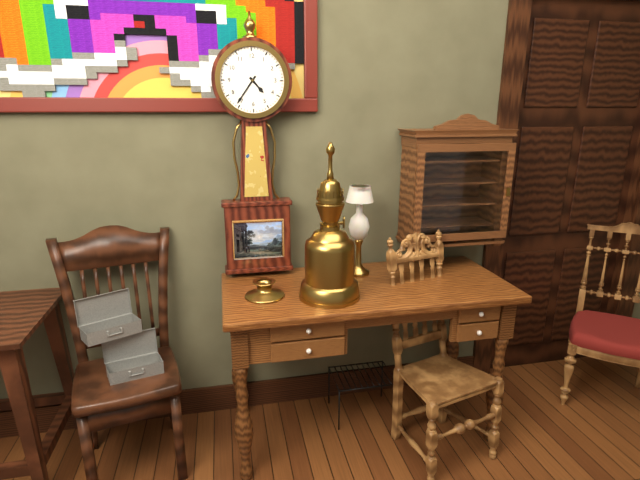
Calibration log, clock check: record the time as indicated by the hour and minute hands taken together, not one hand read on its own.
4:36
